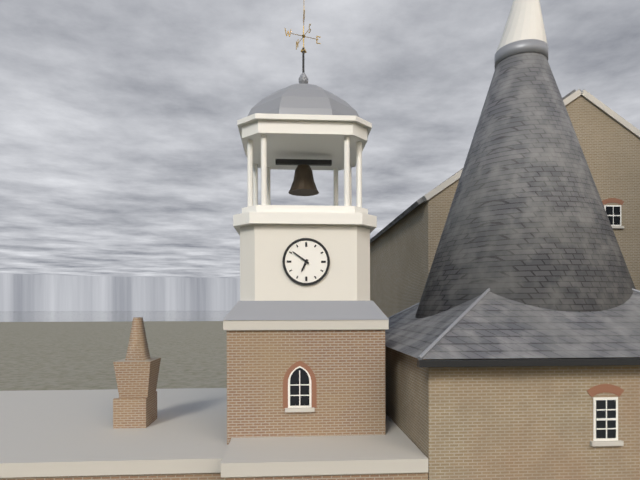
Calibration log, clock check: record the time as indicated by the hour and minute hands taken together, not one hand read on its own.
6:51
